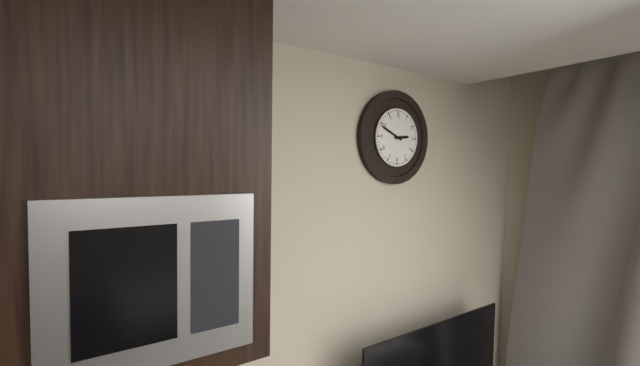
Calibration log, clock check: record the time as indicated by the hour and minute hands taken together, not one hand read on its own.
2:49
